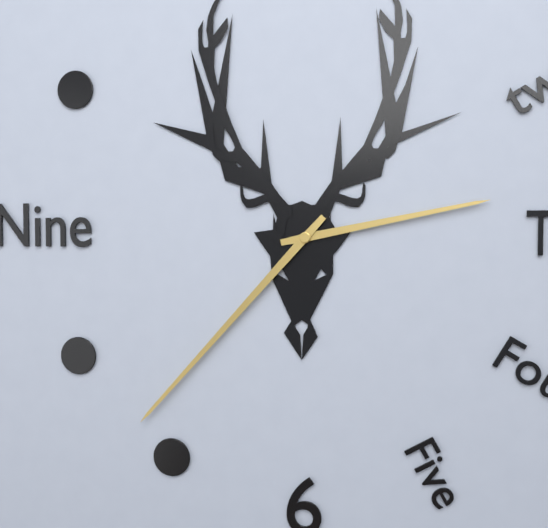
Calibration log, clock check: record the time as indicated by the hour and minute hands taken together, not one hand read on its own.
2:37
